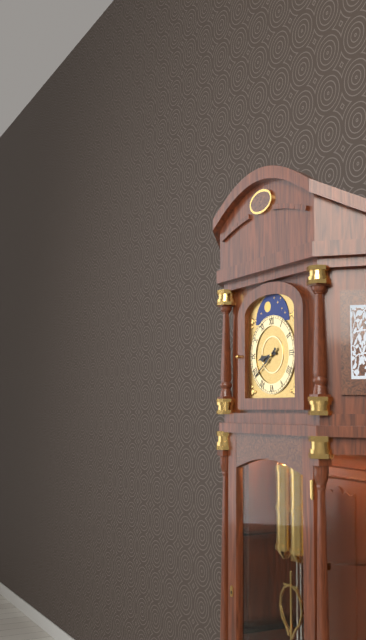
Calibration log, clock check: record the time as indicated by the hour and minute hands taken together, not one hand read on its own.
8:39
